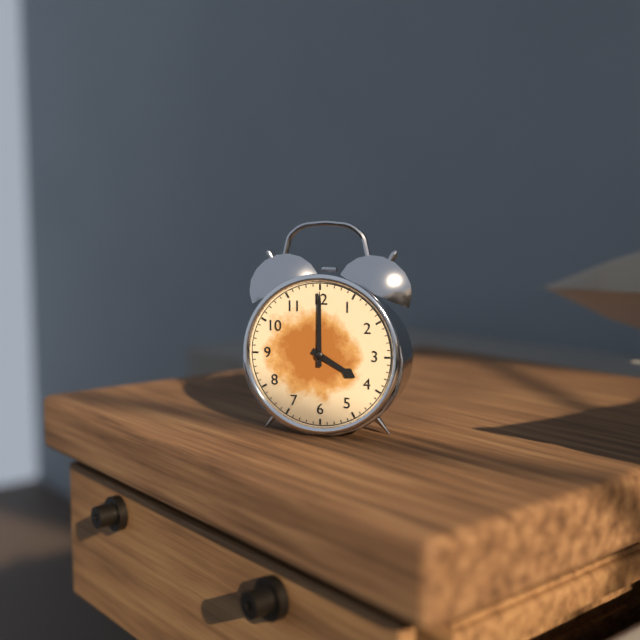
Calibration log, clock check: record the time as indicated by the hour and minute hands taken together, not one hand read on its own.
4:00
